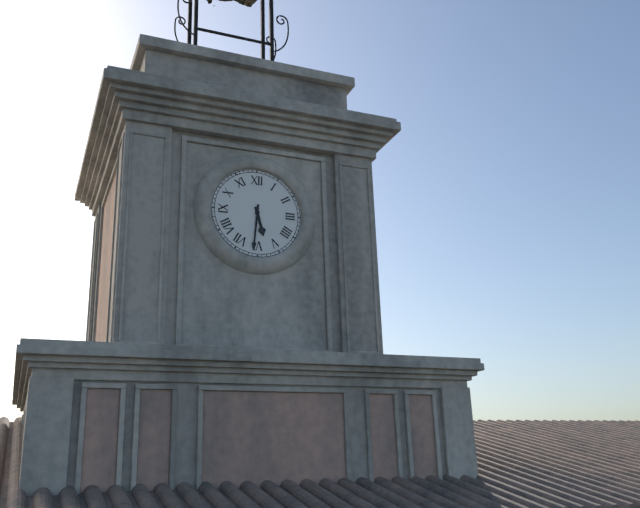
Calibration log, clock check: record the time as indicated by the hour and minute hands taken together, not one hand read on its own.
5:31
